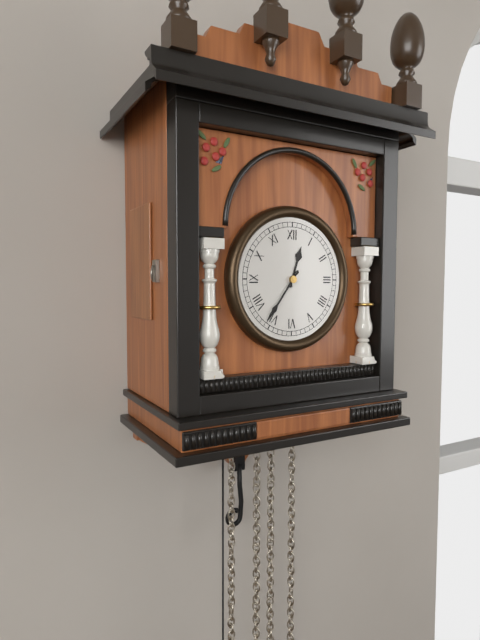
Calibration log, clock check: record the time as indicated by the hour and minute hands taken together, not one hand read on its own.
12:36
